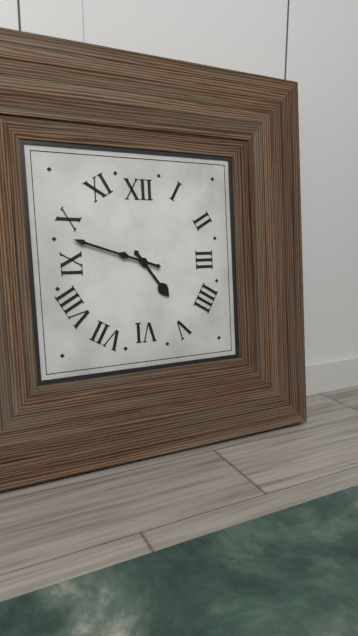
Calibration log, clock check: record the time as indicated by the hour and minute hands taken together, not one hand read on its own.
4:48
